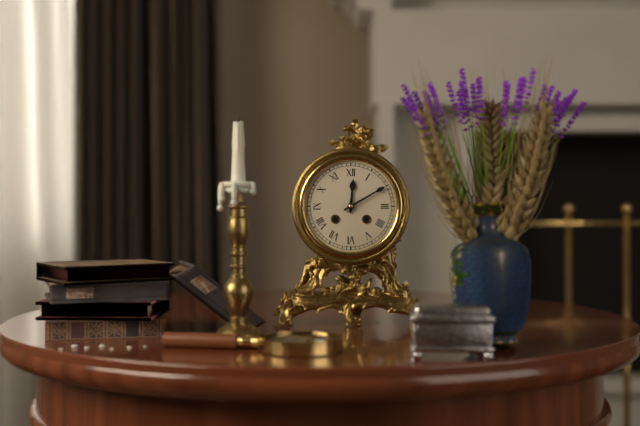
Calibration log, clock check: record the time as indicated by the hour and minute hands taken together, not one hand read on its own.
12:10
